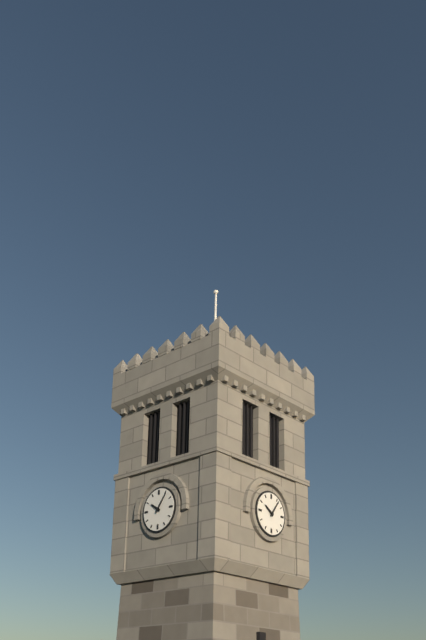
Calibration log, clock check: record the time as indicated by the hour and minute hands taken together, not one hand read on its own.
10:06
